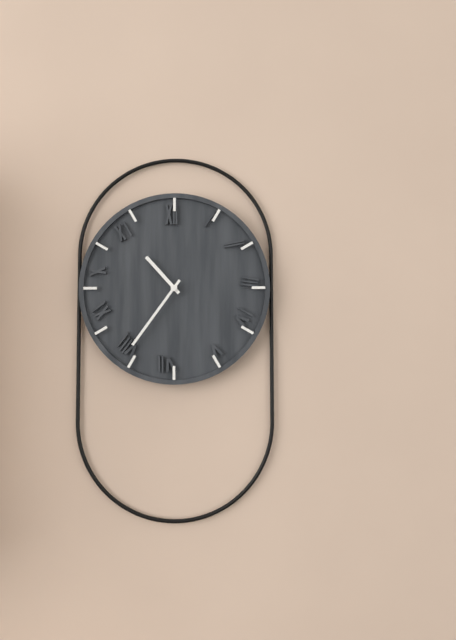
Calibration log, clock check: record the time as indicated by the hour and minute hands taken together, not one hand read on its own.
10:36
